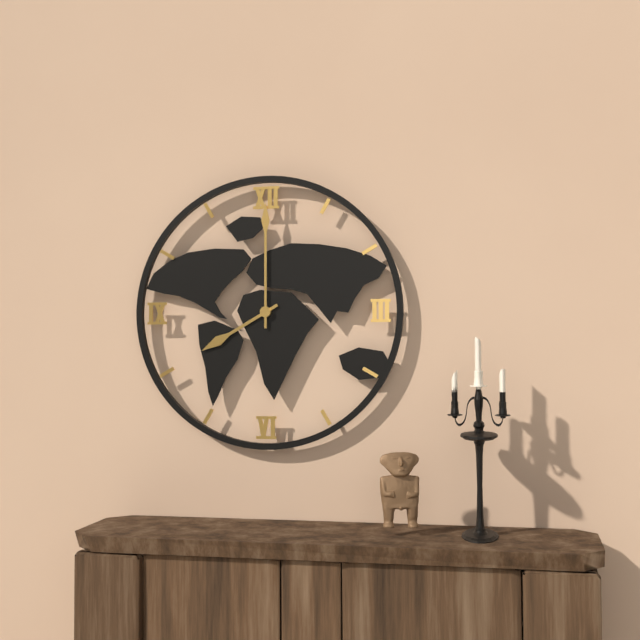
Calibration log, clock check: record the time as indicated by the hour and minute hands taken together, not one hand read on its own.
8:00
